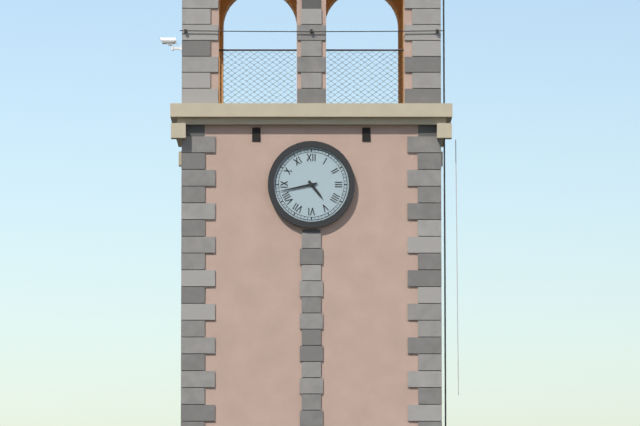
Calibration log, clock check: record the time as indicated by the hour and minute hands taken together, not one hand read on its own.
4:43
